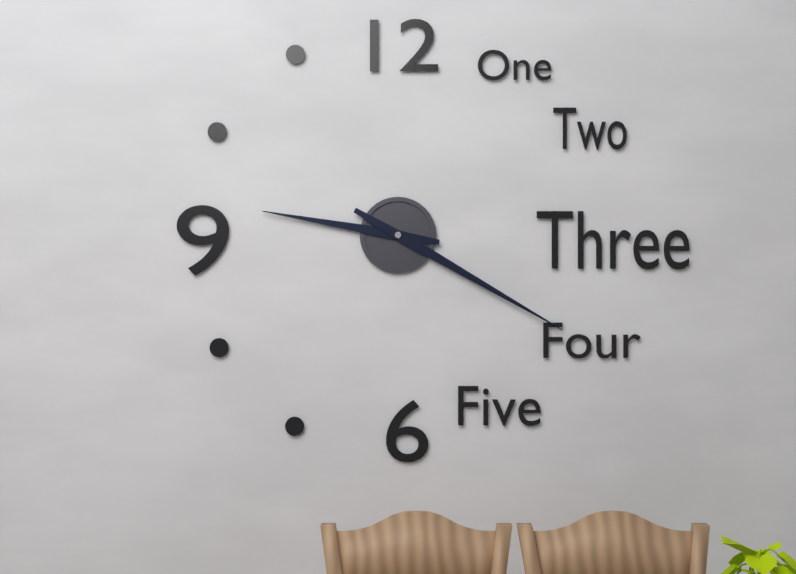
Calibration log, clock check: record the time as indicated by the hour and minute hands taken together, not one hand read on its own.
9:20
